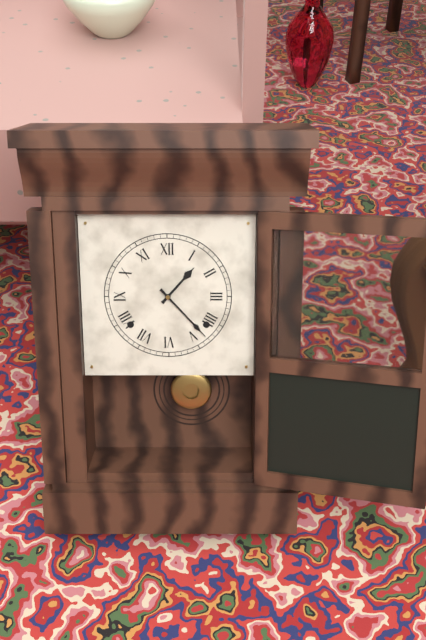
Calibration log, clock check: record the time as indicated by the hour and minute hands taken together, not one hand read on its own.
1:23
